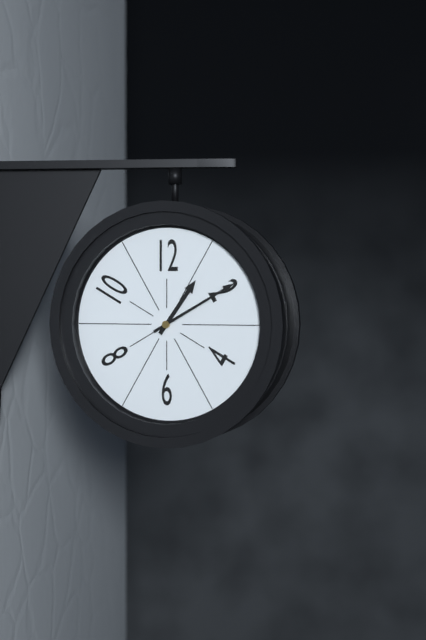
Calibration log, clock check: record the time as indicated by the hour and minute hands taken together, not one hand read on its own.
1:10
